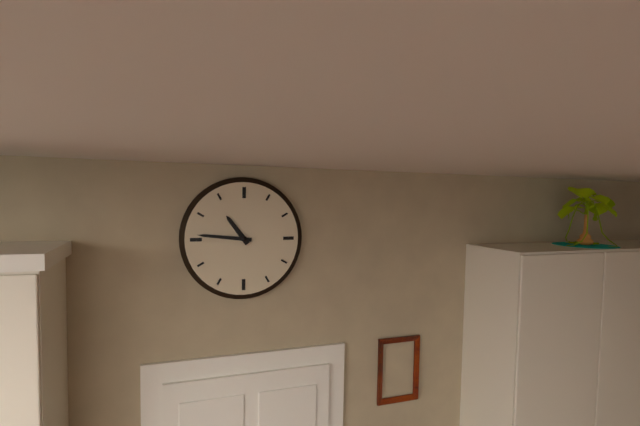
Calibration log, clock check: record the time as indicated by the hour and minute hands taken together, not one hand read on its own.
10:46
